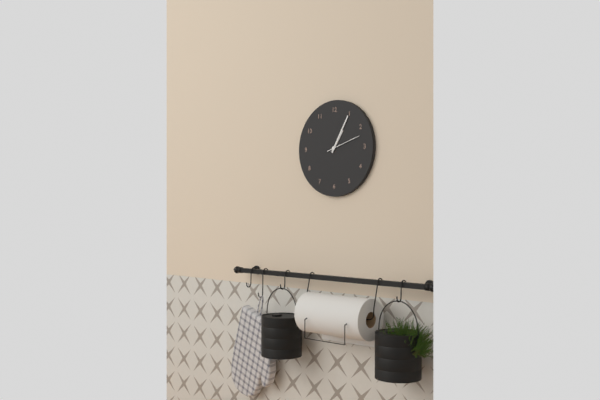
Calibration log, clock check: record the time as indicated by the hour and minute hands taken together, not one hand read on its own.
1:05
